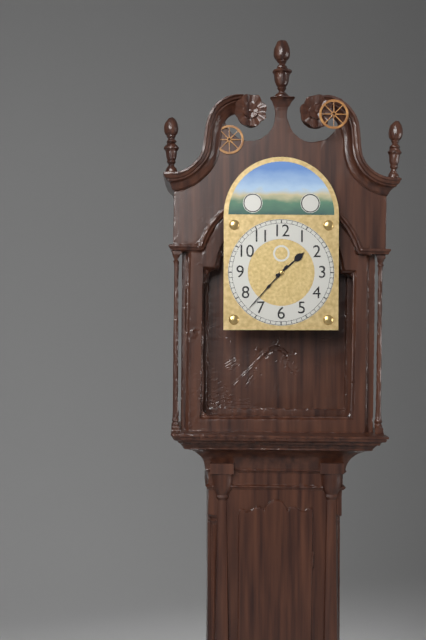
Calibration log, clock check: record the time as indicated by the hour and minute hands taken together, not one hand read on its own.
1:37
